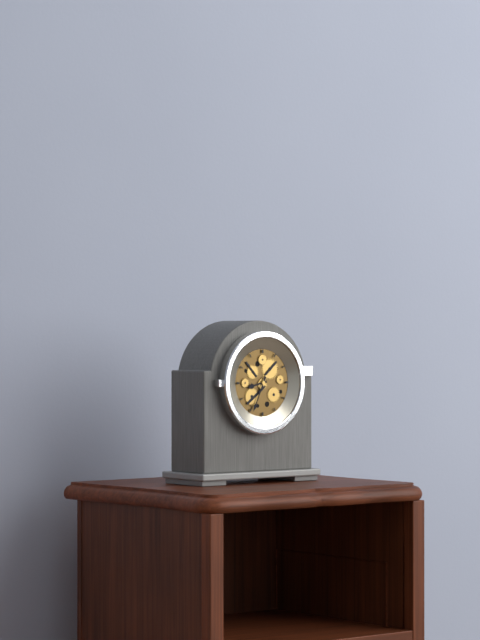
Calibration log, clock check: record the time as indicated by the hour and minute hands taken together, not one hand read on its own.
8:34
